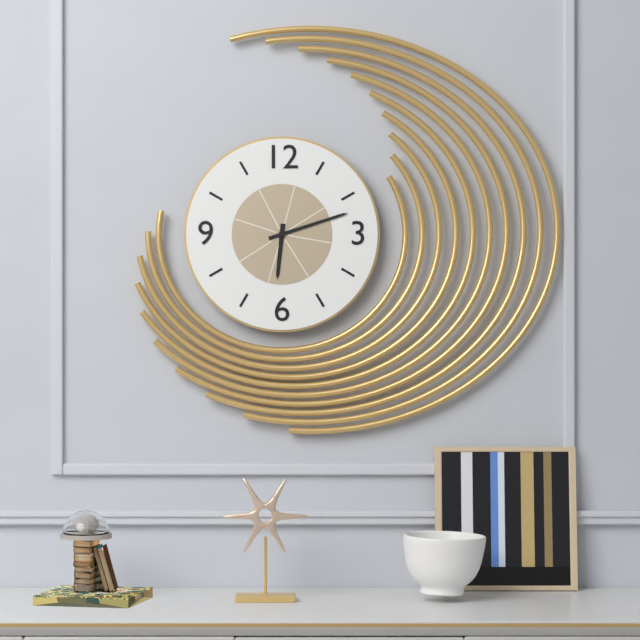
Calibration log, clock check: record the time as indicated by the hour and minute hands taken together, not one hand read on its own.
6:12
